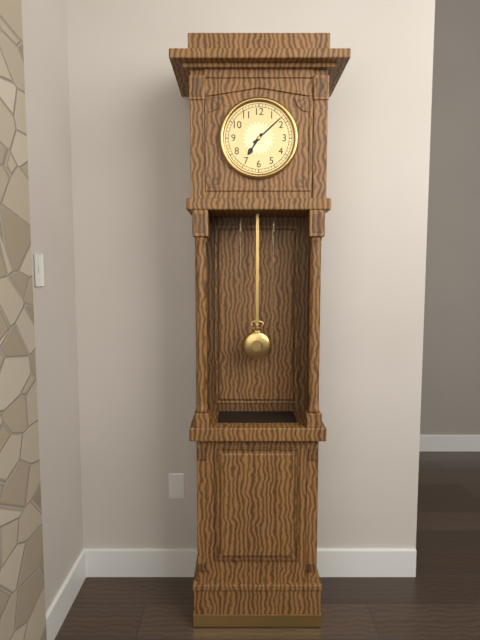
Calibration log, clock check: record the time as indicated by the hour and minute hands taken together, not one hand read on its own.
7:08
